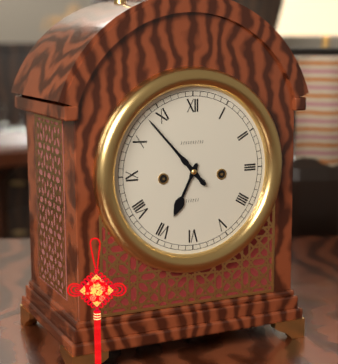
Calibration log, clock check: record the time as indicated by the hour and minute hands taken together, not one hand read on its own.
6:53
